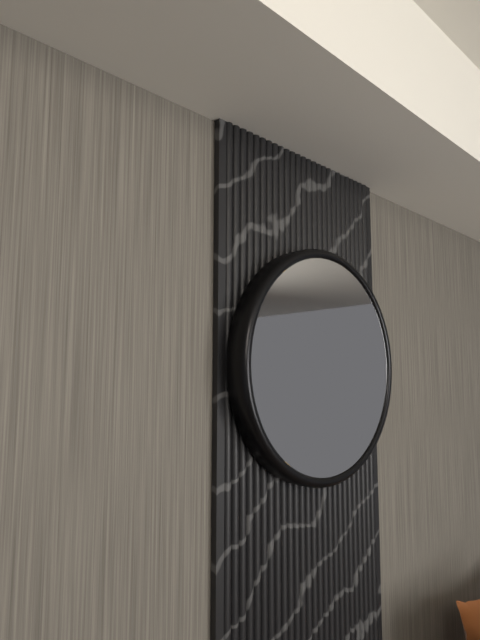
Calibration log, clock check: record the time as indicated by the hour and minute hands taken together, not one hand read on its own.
6:26
